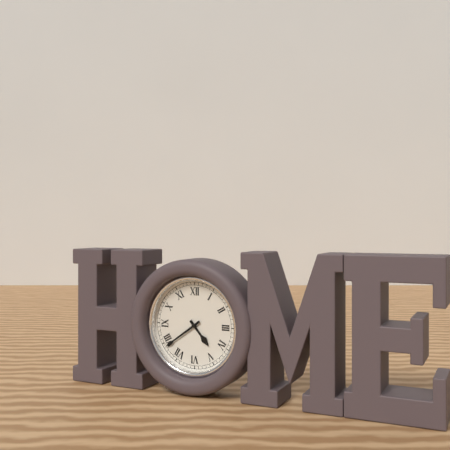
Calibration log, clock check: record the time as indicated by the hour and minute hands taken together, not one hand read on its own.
4:39
